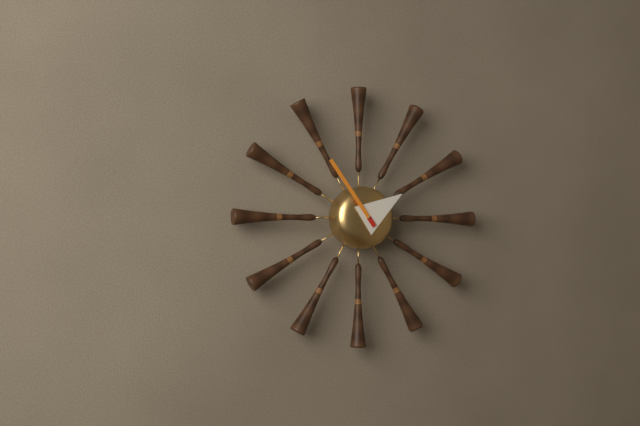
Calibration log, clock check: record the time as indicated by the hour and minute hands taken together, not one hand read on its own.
1:54
